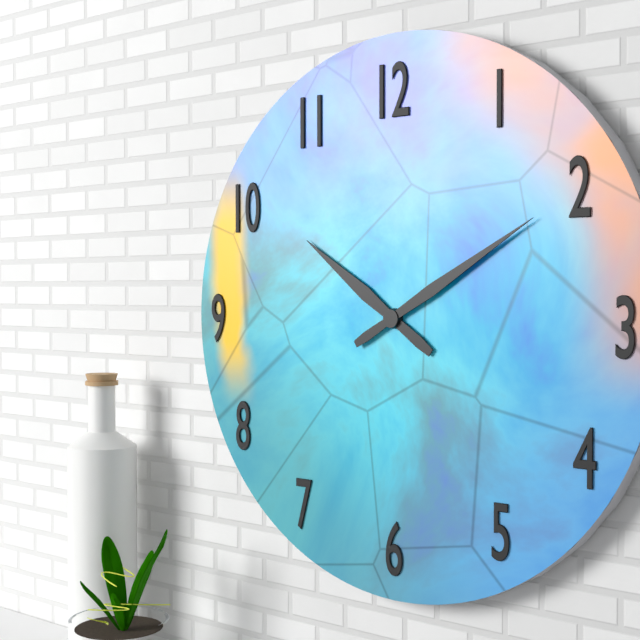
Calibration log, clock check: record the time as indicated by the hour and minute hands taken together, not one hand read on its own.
10:10
